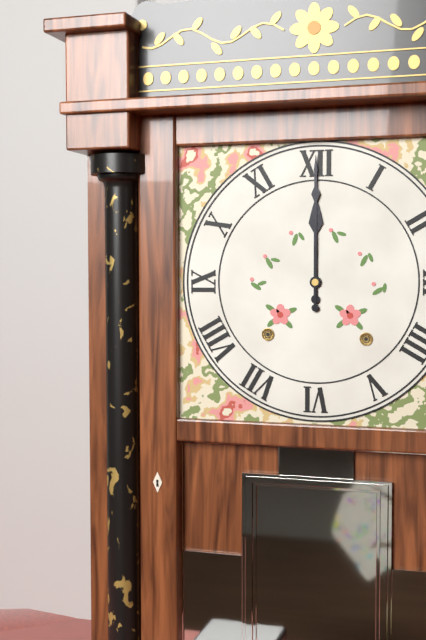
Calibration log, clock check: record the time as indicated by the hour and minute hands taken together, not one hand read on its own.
12:00
